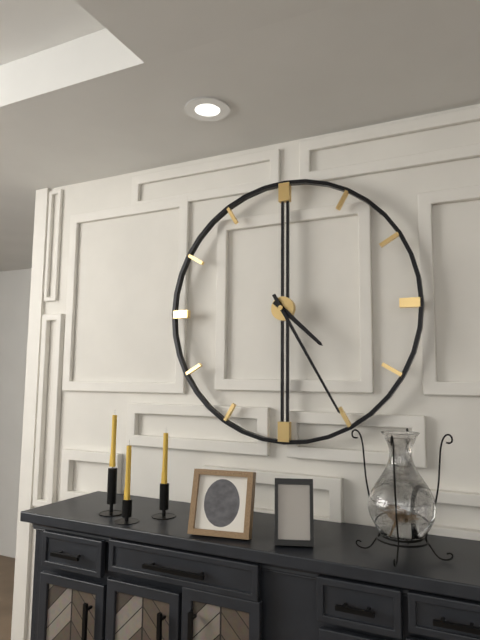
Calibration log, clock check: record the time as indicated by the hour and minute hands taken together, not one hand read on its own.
4:25
